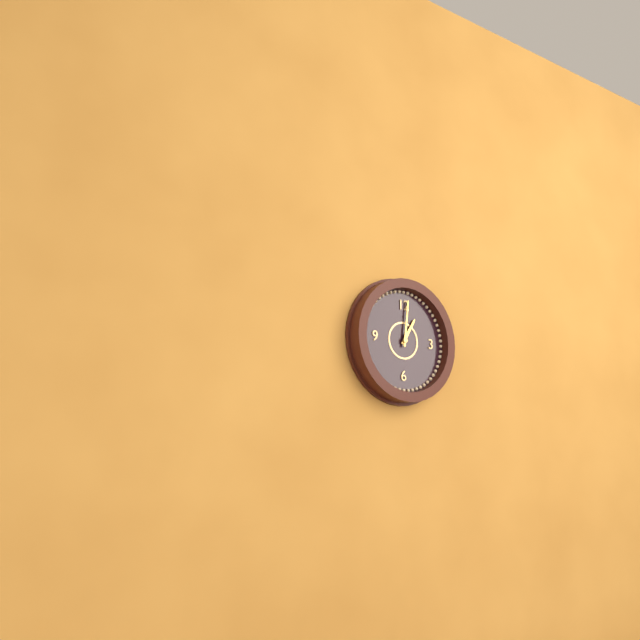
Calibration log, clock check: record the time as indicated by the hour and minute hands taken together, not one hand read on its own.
1:01
